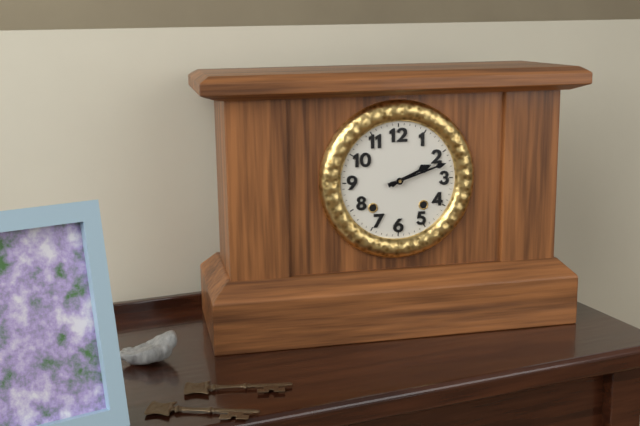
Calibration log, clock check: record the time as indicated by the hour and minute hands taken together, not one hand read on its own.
2:12
